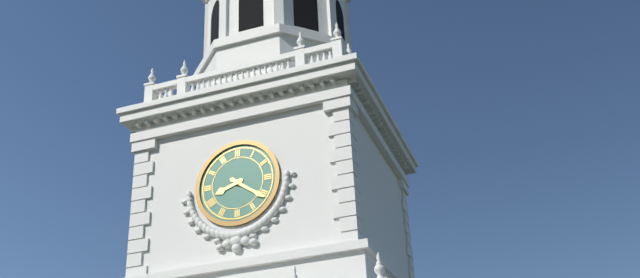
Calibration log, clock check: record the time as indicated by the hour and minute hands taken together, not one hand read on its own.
8:21
